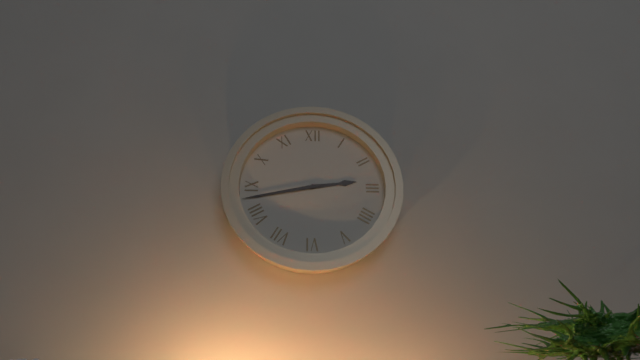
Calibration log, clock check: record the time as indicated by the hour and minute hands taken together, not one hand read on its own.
2:43
